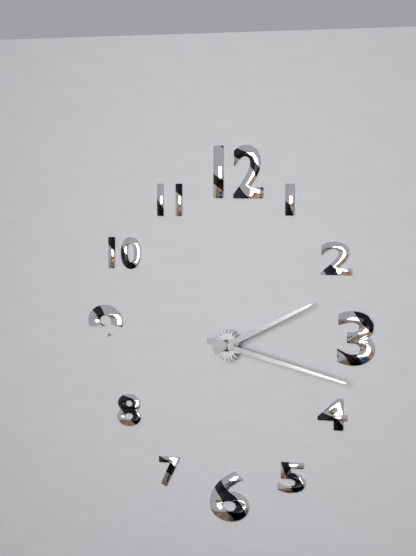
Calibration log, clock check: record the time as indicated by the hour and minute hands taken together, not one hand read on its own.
2:17
